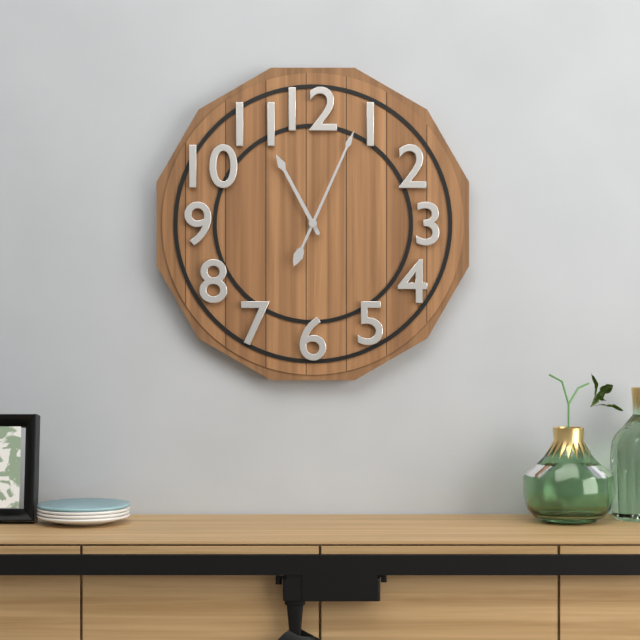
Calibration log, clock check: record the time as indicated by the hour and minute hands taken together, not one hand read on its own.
11:04
